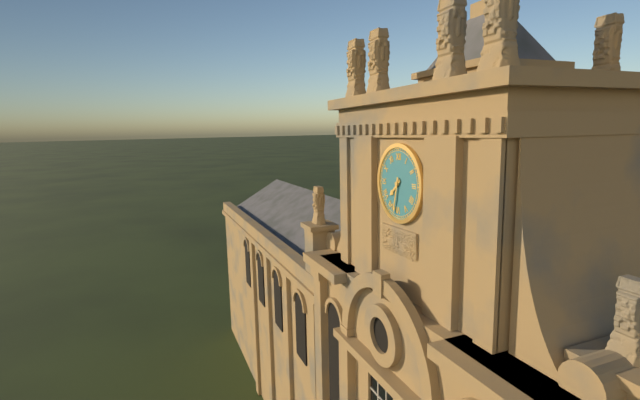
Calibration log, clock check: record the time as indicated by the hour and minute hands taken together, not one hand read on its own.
7:32
